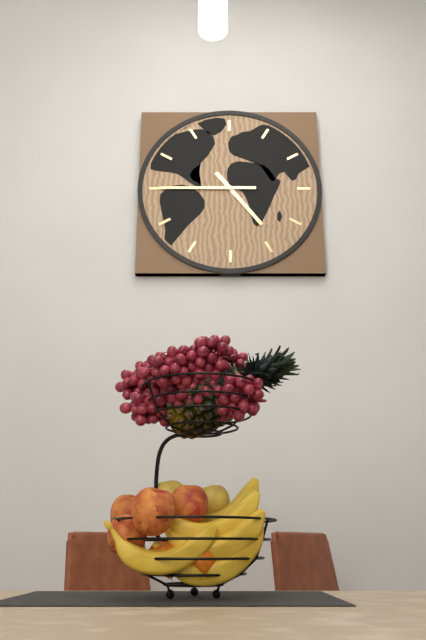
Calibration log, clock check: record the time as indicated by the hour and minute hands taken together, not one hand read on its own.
4:45
